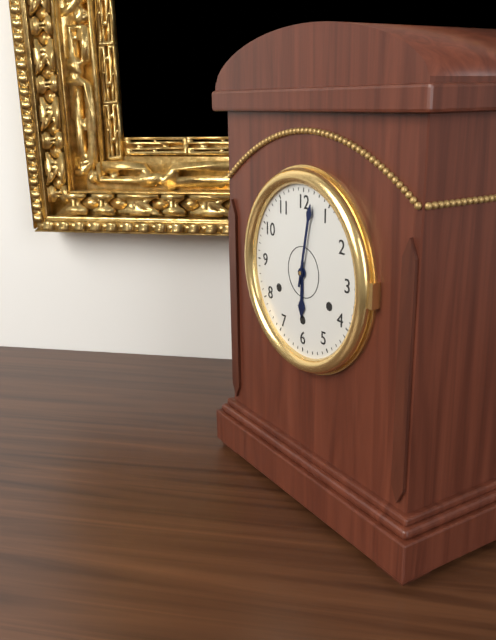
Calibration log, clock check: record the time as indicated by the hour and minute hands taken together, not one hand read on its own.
6:02
